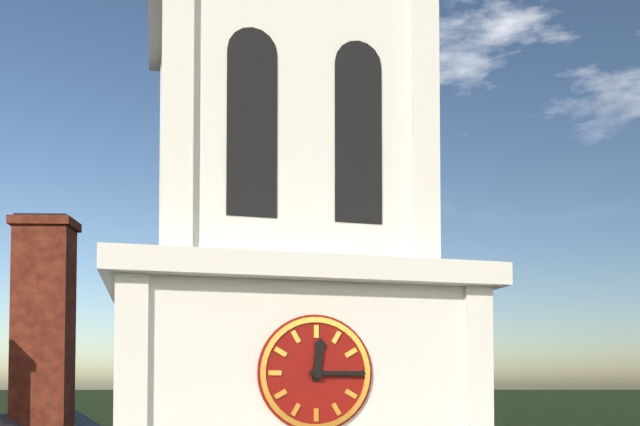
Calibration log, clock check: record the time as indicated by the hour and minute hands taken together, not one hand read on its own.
12:15
